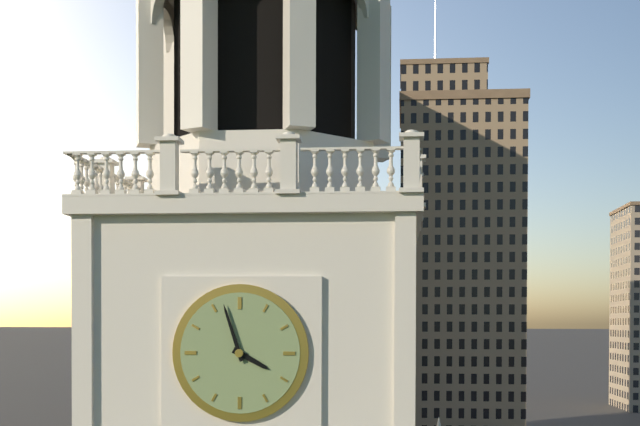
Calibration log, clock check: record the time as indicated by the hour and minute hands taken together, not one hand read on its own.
3:57
